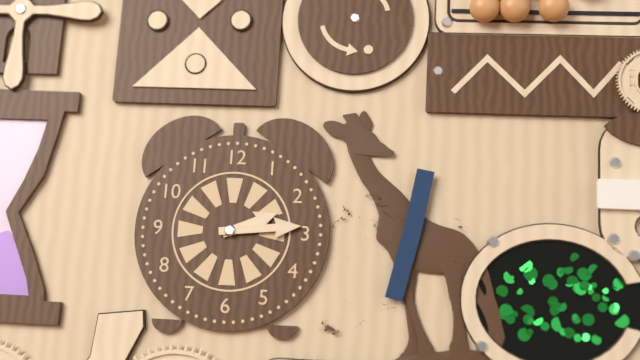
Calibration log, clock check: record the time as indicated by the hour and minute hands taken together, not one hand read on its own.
2:14
